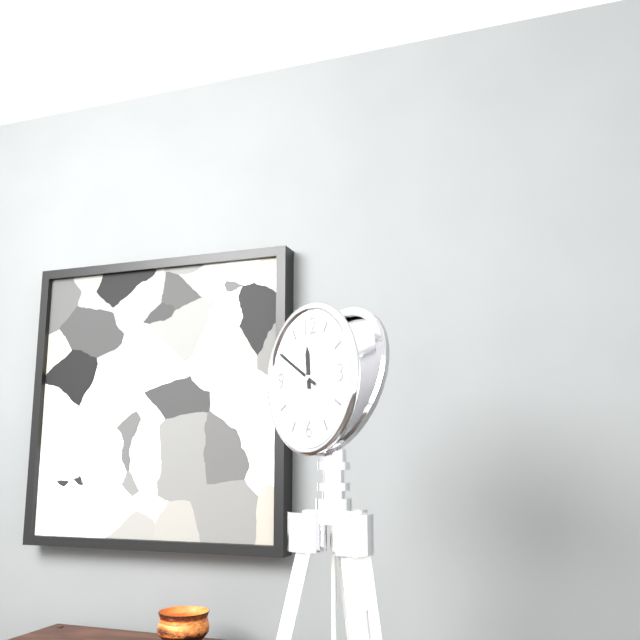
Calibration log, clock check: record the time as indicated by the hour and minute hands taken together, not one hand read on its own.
11:50
